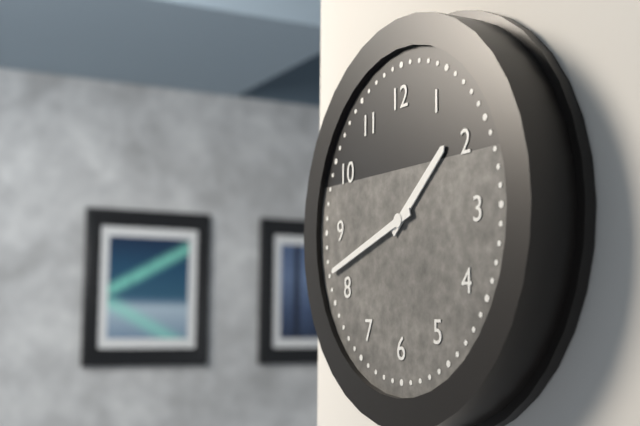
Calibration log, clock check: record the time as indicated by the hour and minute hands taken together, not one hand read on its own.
1:42
